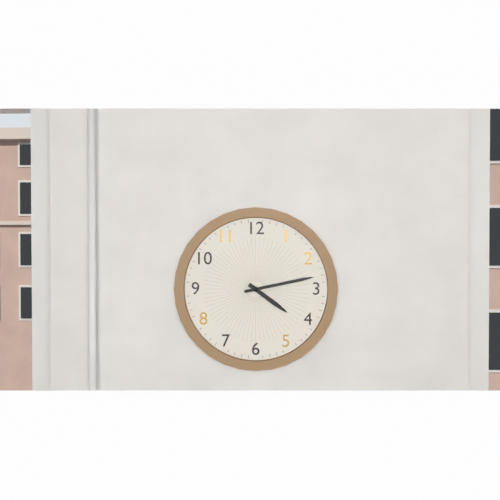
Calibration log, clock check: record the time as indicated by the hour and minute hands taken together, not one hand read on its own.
4:13
